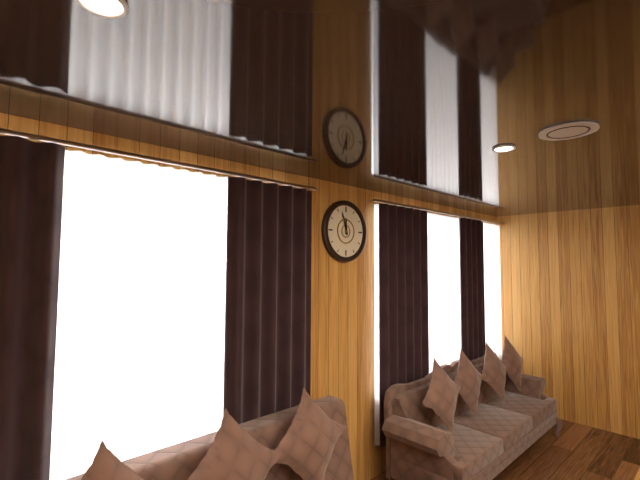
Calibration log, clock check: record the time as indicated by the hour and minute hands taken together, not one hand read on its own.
11:57
